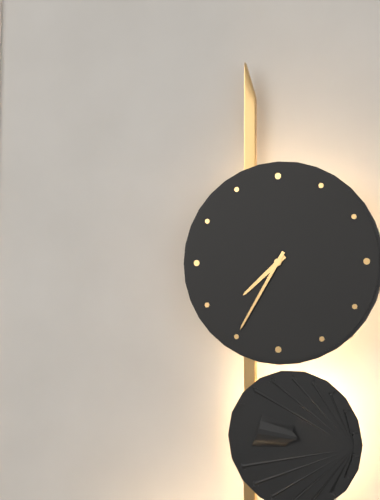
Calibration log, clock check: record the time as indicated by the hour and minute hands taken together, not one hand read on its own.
7:35
